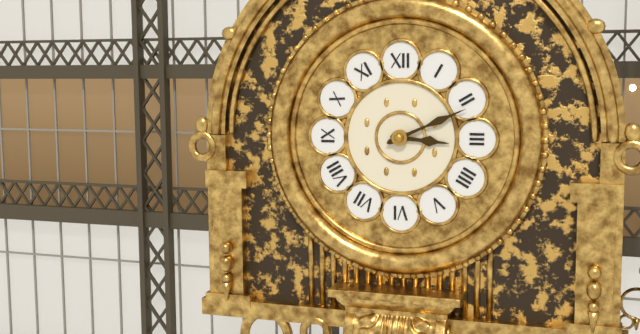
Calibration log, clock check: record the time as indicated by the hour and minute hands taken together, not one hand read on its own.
3:11
